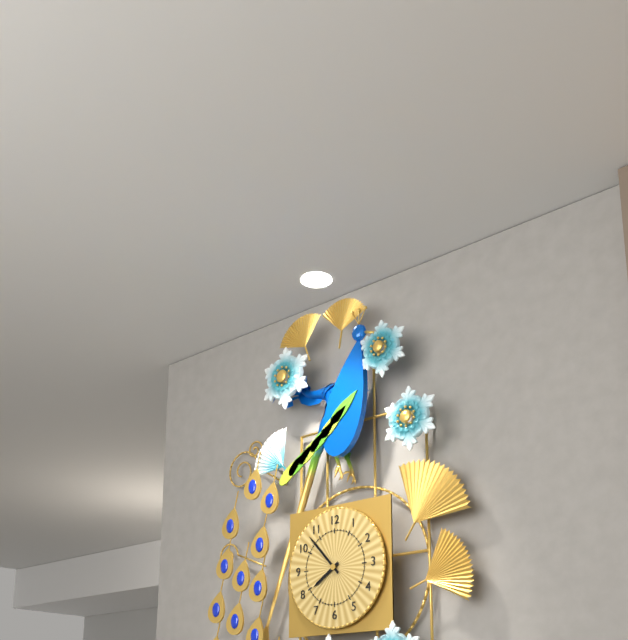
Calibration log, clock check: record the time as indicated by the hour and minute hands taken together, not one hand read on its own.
7:53
